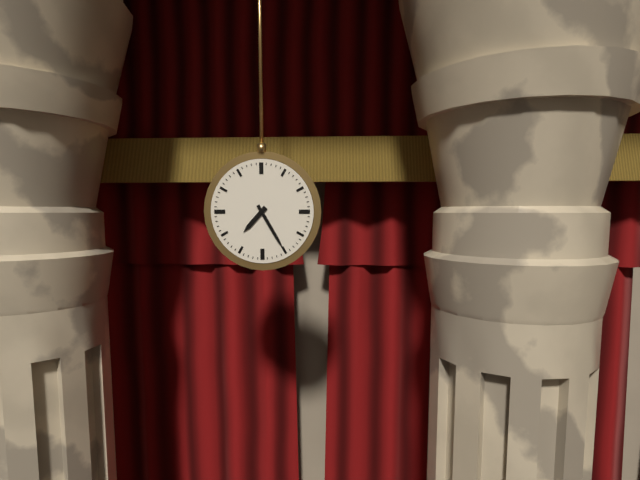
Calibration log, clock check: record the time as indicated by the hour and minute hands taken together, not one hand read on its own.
7:25
